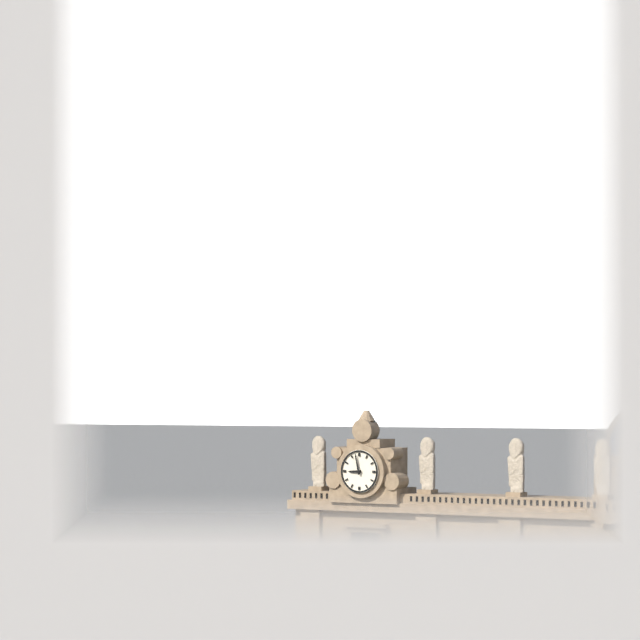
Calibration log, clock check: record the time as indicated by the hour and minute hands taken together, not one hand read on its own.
8:58
